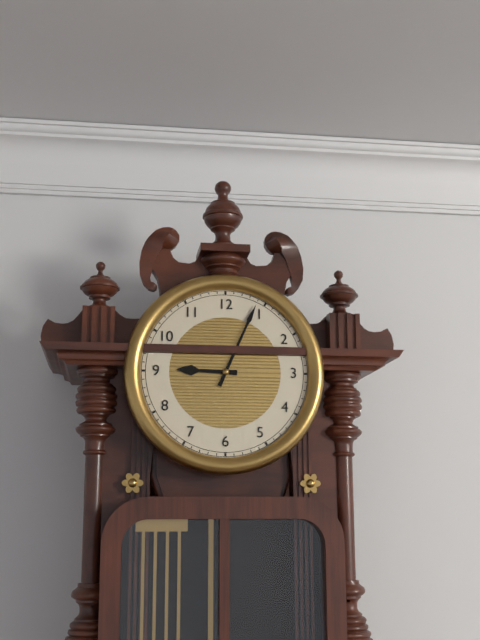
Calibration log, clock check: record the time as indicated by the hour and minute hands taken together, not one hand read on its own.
9:04
